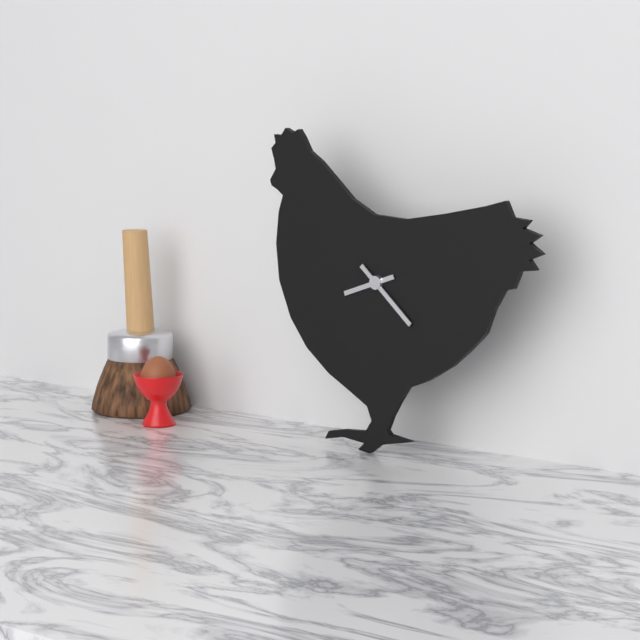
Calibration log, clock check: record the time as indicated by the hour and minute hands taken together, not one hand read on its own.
8:22
